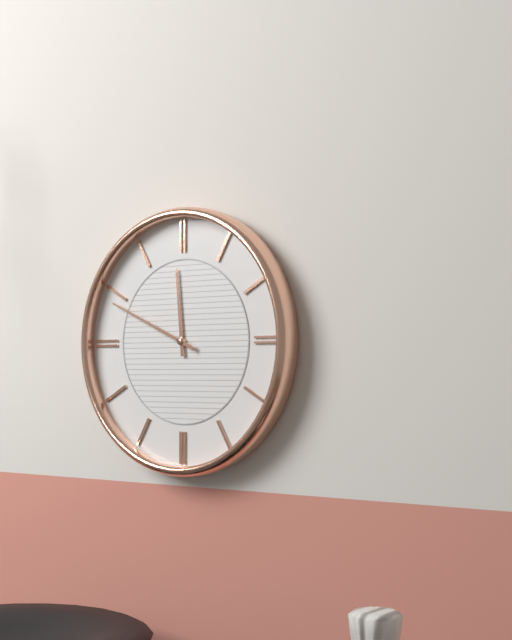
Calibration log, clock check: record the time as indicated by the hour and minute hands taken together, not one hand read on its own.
11:49
